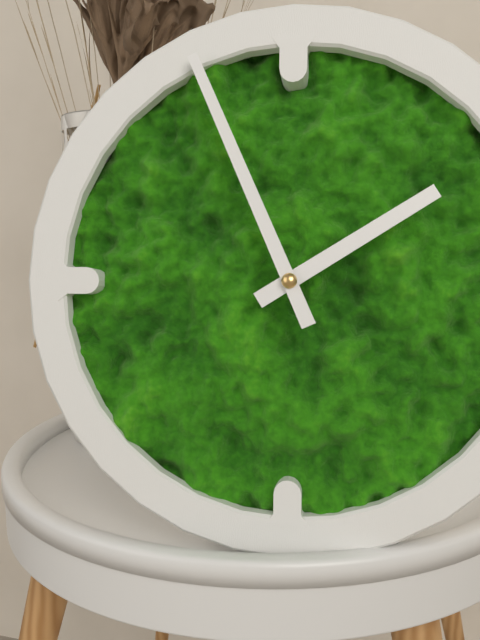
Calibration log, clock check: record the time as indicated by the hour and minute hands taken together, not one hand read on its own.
1:56
